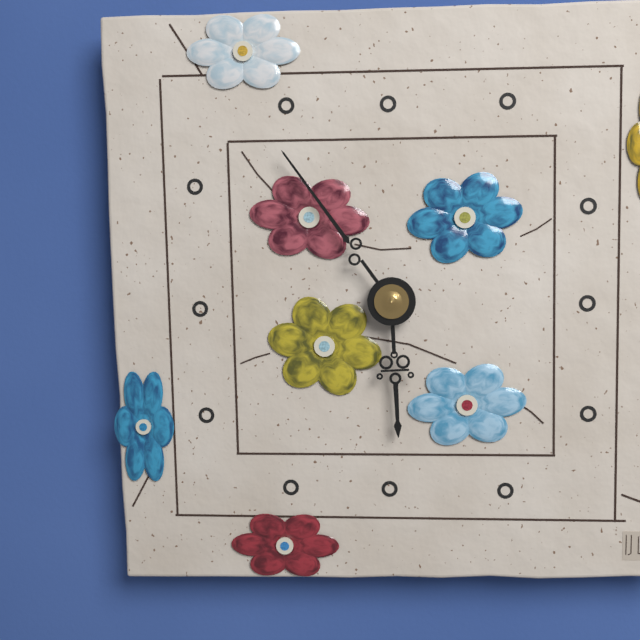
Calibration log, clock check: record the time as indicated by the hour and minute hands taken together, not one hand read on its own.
5:54
